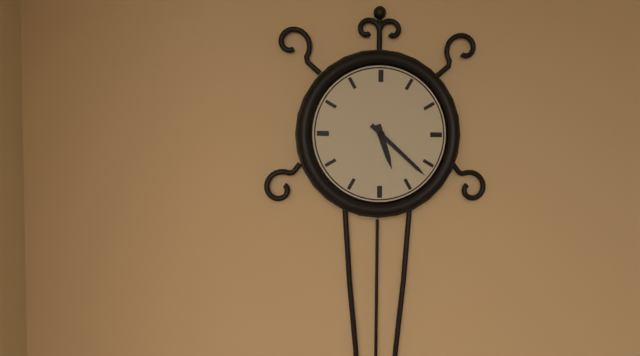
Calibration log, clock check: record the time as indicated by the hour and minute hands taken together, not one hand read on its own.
5:22
